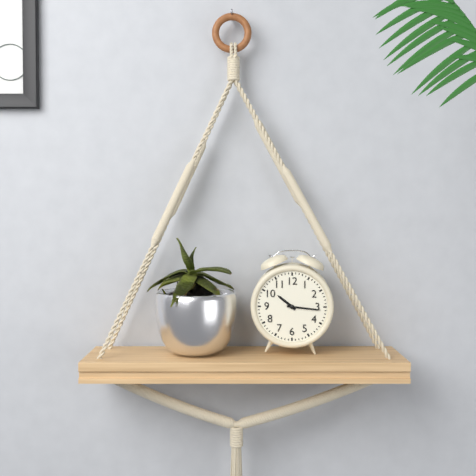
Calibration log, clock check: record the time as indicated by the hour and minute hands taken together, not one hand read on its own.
10:16
